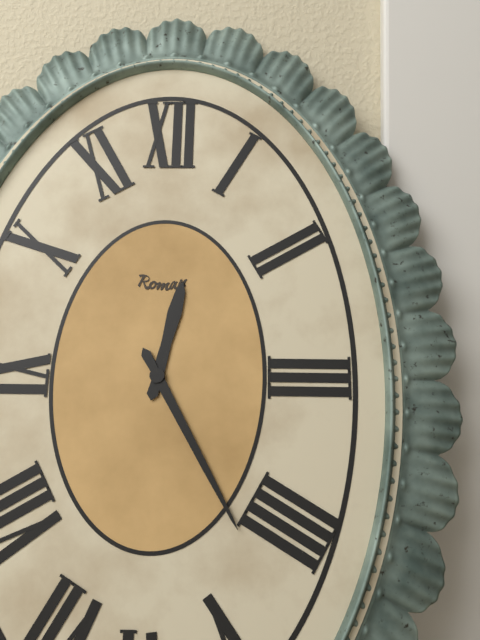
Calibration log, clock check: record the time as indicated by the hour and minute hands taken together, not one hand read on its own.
12:25
